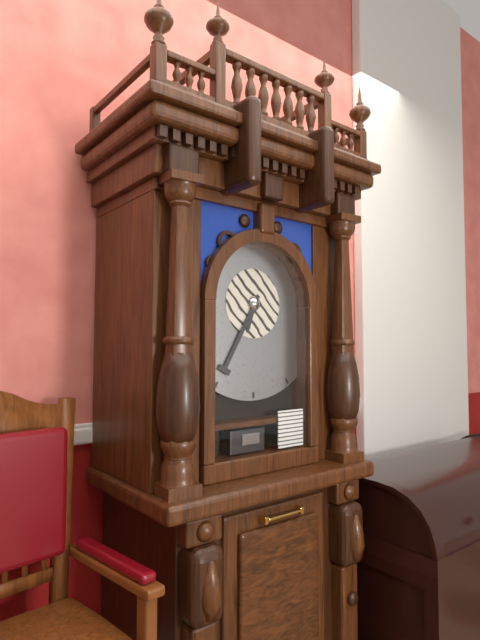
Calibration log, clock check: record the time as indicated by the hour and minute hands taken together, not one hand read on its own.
6:35
